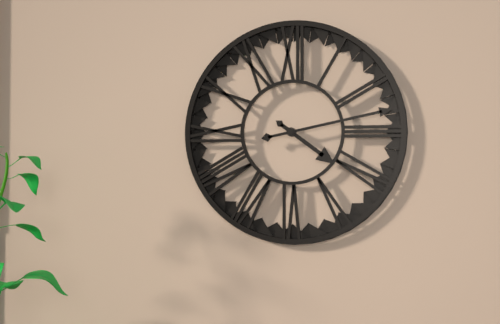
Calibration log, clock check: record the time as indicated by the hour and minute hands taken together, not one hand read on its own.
4:13
